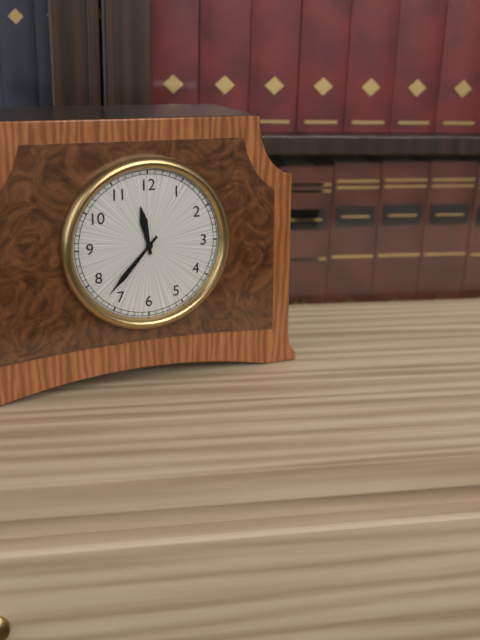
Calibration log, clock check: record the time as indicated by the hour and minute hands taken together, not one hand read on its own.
11:37
